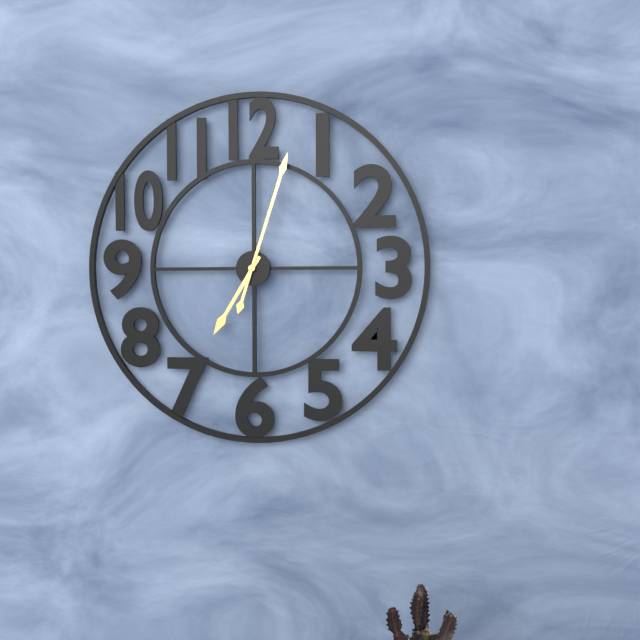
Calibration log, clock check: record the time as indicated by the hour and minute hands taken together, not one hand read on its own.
7:03
